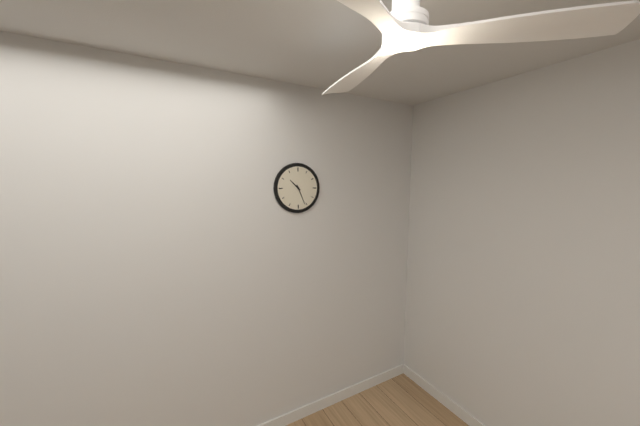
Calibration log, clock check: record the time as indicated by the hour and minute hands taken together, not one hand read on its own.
10:26
